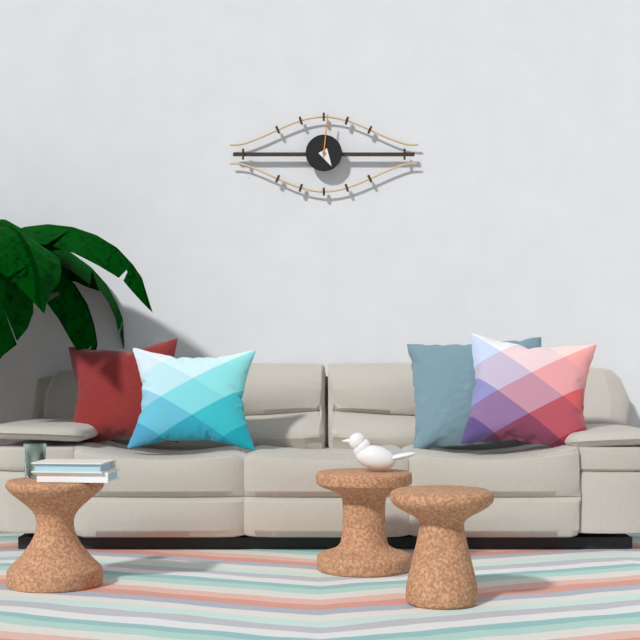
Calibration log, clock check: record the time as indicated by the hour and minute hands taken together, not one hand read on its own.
5:01
